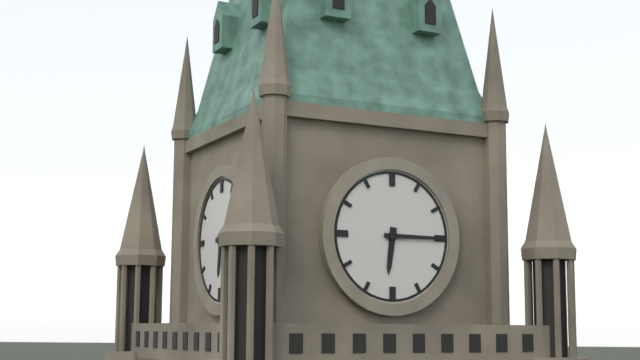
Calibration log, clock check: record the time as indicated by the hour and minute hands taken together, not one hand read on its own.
6:15
